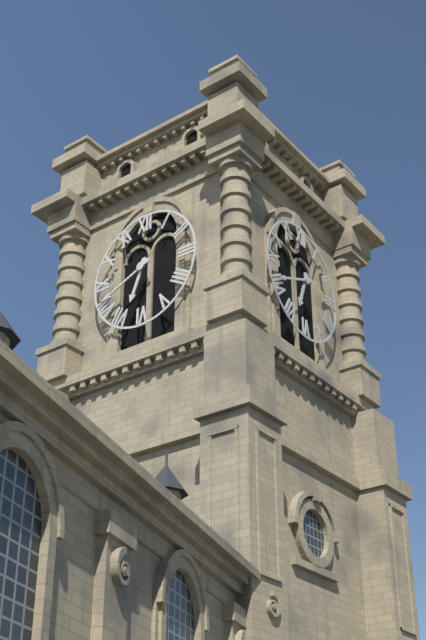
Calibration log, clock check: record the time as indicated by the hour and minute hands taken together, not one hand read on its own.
6:41
